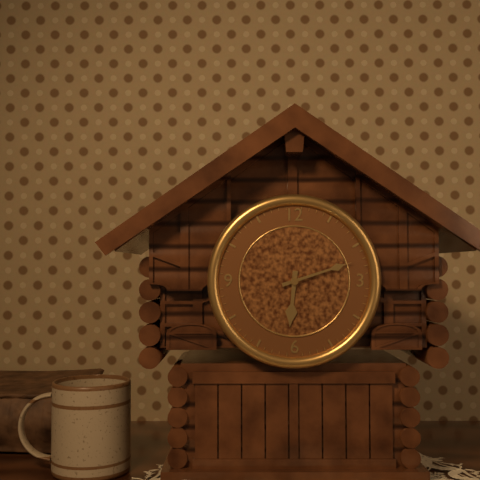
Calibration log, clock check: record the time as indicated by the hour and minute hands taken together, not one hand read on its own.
6:12
